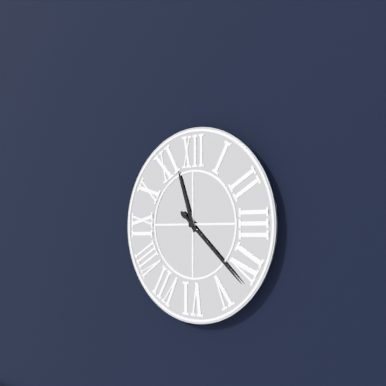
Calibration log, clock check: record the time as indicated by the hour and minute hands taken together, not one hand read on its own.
11:22
